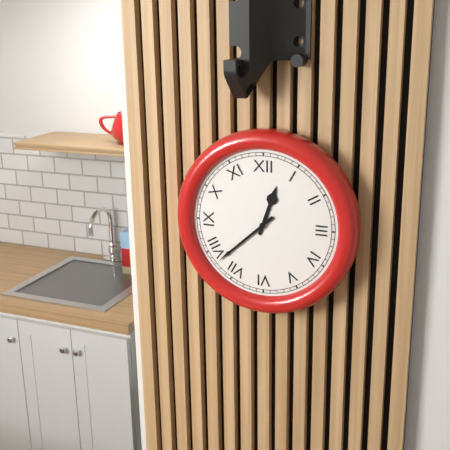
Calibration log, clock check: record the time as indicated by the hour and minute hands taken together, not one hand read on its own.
12:38
